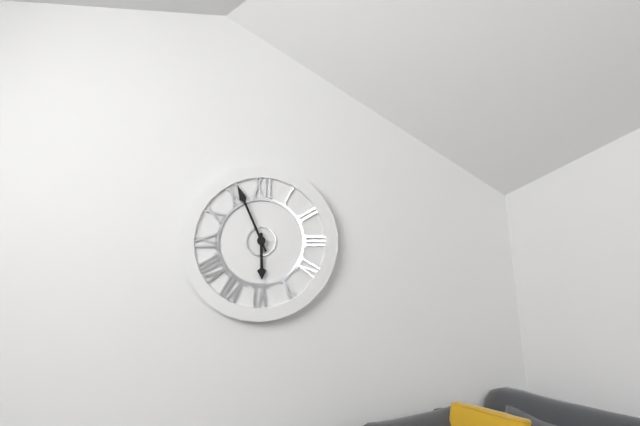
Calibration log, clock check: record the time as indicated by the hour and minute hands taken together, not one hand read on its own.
5:56
